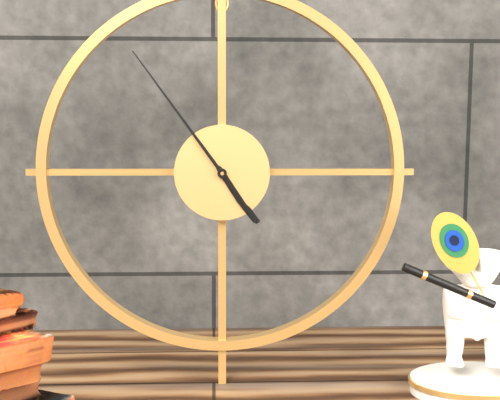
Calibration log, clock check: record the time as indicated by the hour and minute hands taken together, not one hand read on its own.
4:54
